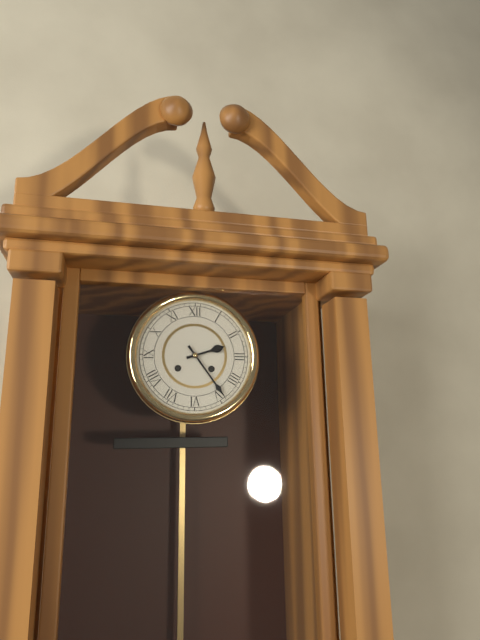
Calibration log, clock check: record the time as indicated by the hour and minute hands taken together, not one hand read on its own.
2:24
